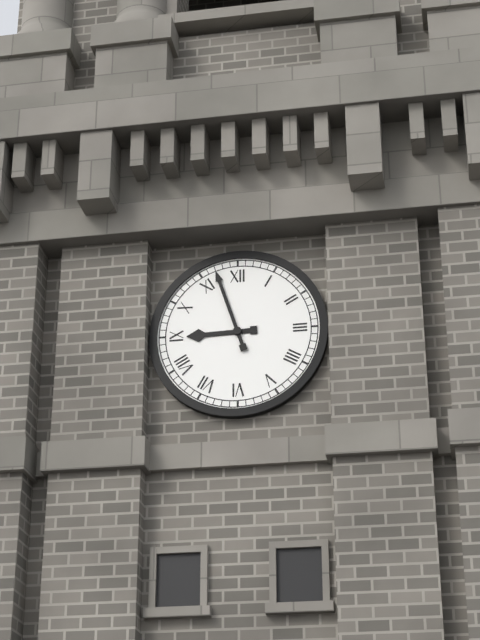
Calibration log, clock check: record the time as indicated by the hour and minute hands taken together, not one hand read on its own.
8:57
